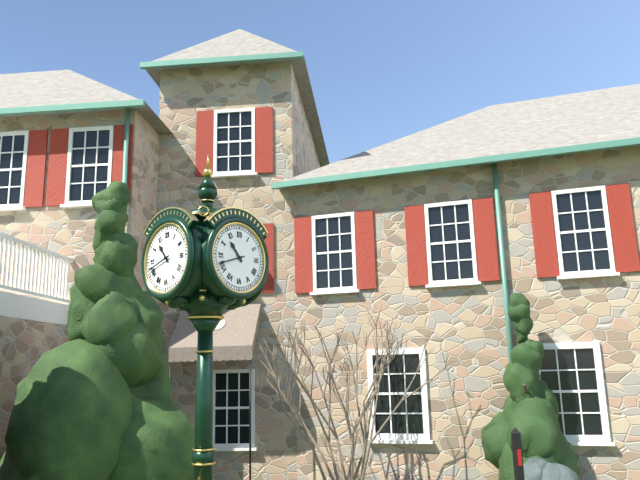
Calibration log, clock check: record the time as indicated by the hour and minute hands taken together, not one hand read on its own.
10:42
